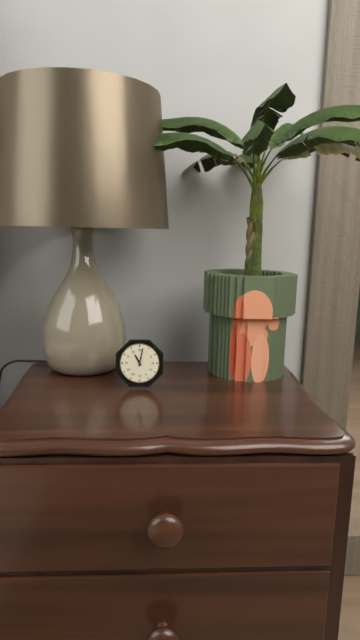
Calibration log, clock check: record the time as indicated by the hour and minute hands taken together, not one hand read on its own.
11:02
